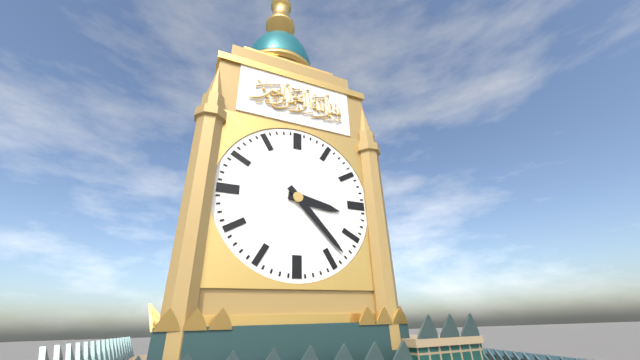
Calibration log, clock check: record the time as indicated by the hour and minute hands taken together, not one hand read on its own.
3:23
